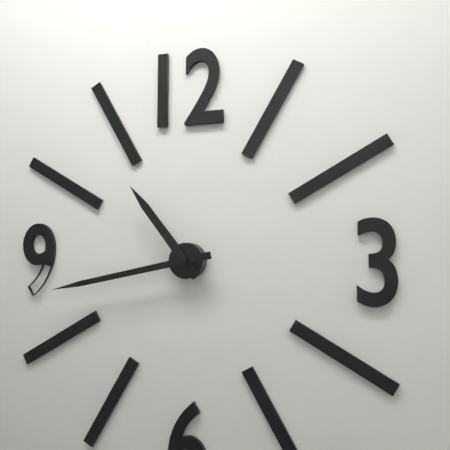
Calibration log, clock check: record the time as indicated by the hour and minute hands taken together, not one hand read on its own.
10:43
